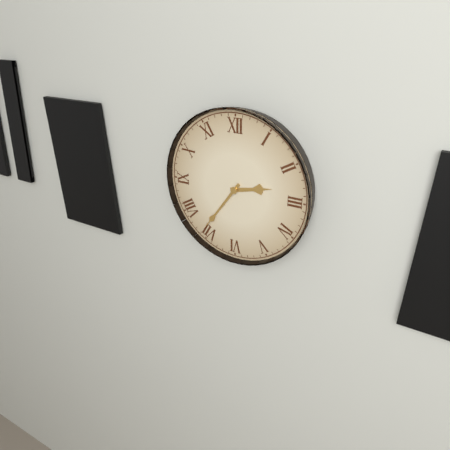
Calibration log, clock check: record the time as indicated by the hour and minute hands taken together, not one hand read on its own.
2:36
